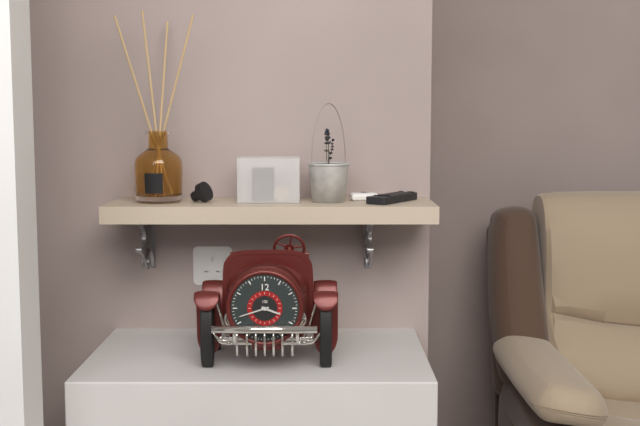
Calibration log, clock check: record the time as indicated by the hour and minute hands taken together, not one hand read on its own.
3:42
